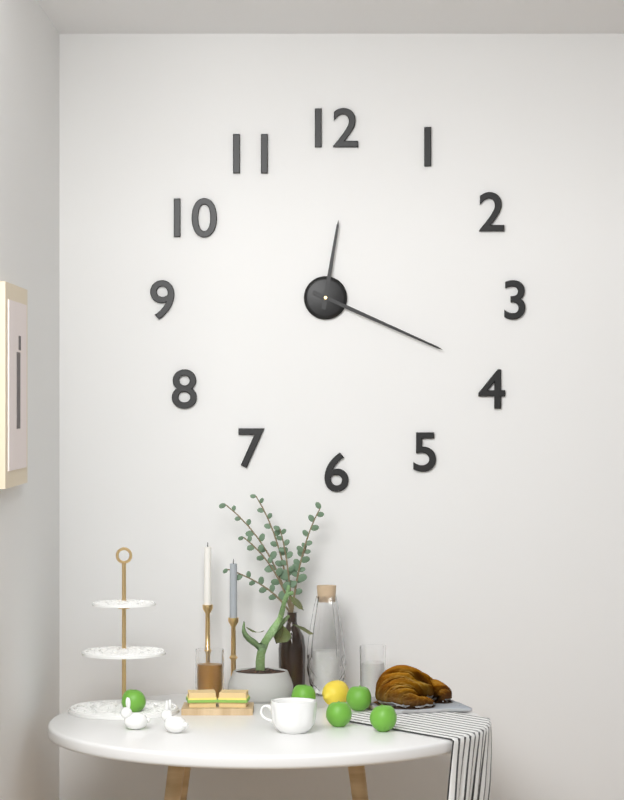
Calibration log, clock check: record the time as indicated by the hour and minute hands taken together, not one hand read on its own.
12:19
